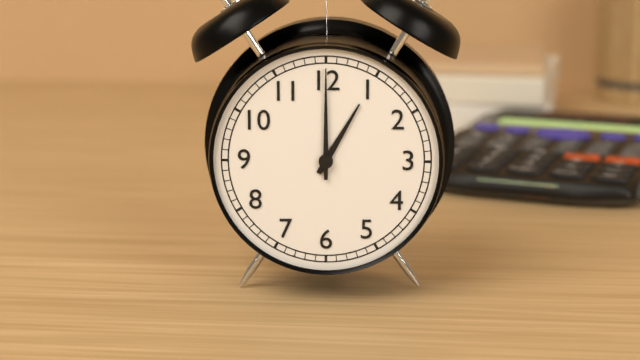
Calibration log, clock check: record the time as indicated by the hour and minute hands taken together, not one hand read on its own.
1:00
